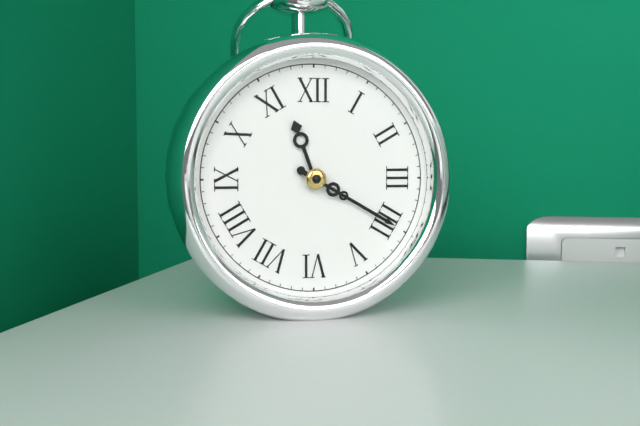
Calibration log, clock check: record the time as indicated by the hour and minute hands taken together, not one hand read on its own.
11:20
